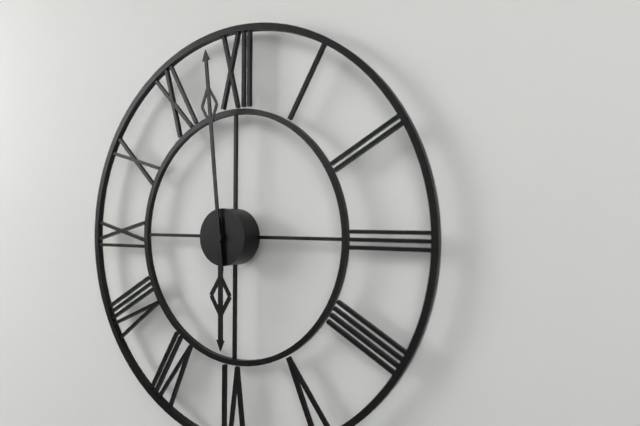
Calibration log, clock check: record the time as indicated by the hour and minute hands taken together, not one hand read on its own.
5:59
